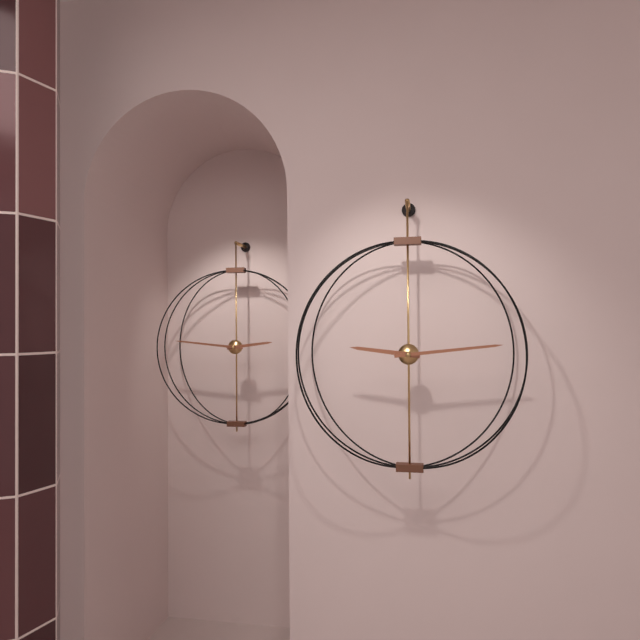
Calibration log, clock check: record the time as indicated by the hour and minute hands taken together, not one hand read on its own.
9:14
